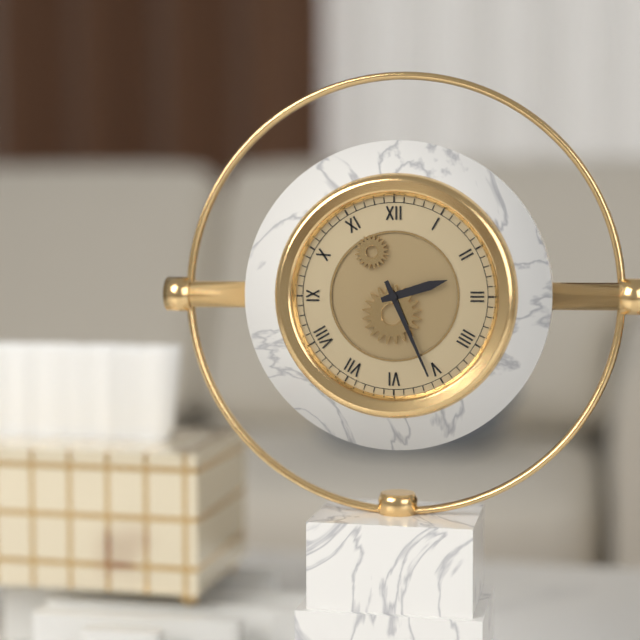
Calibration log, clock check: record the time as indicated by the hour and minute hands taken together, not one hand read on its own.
2:26
